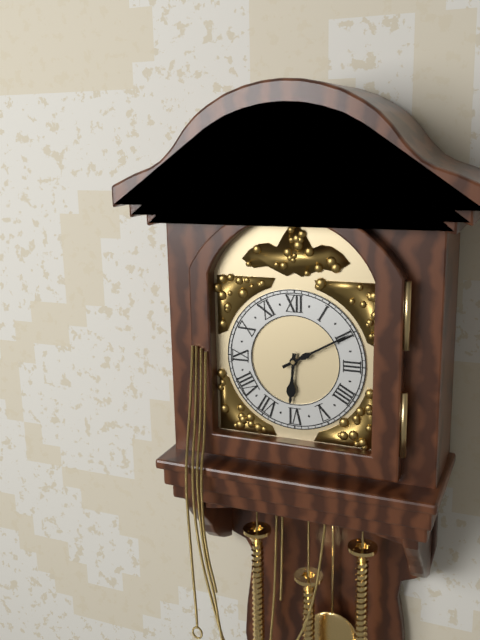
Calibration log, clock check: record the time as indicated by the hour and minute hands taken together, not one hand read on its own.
6:10
